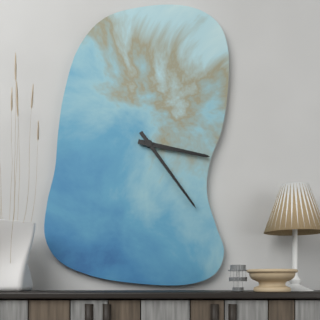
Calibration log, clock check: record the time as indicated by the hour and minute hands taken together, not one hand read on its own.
3:24
